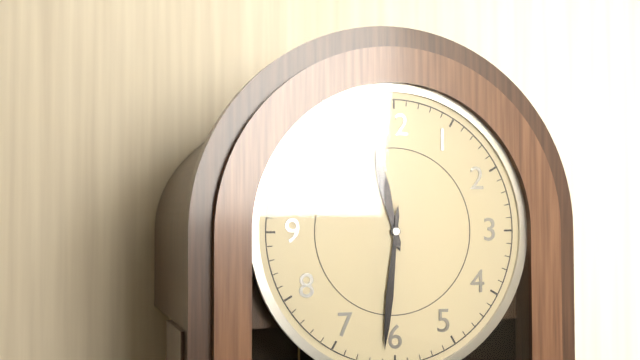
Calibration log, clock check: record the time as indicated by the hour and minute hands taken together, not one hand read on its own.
11:31
